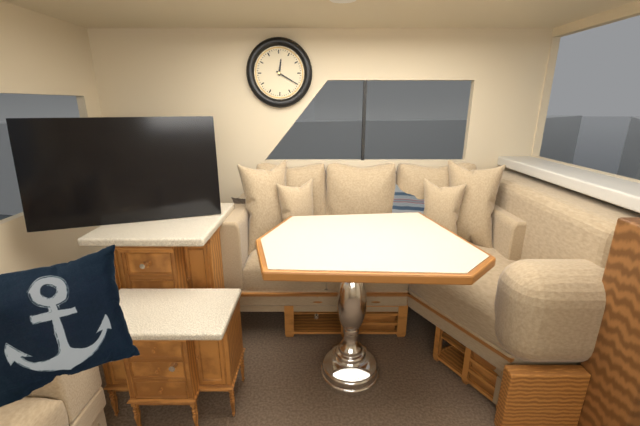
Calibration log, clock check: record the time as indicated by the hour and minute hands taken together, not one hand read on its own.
12:20
